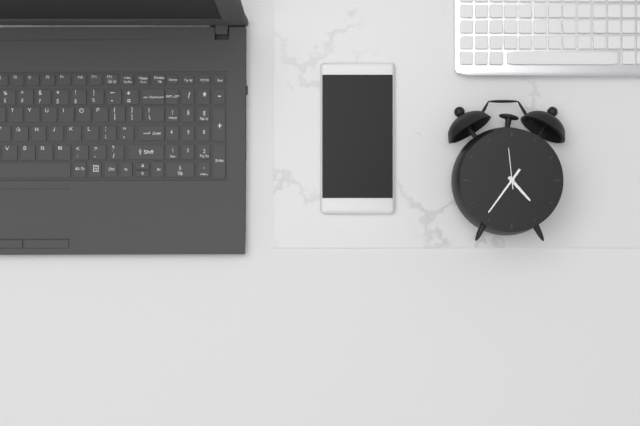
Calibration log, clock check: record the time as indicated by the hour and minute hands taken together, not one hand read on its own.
4:36
